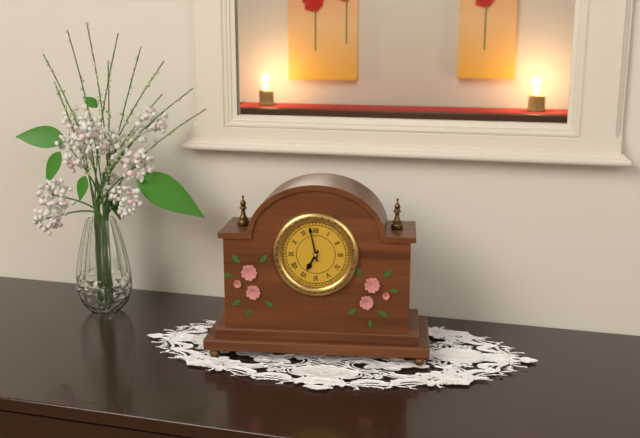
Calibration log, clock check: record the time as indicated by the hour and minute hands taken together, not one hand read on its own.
6:58
